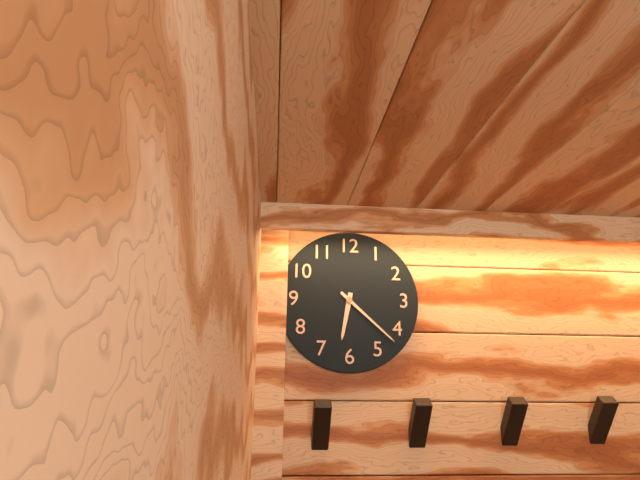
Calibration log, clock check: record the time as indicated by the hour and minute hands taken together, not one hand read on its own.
6:22
